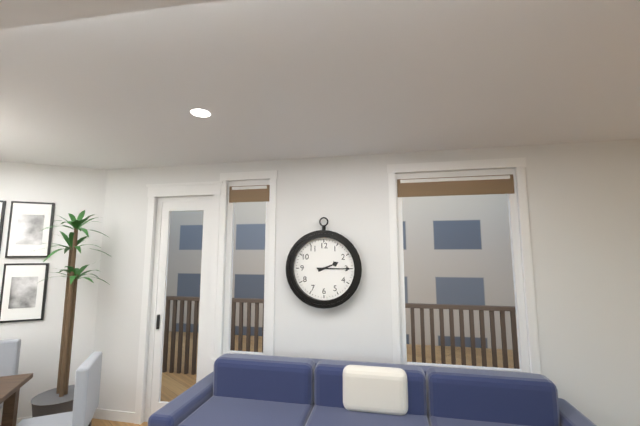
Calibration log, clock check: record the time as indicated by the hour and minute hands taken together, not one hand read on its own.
2:15
